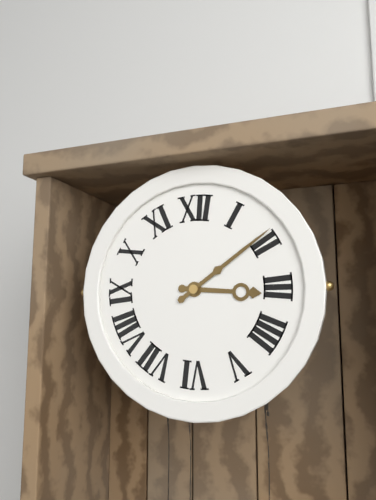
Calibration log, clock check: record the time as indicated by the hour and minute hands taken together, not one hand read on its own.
3:09
